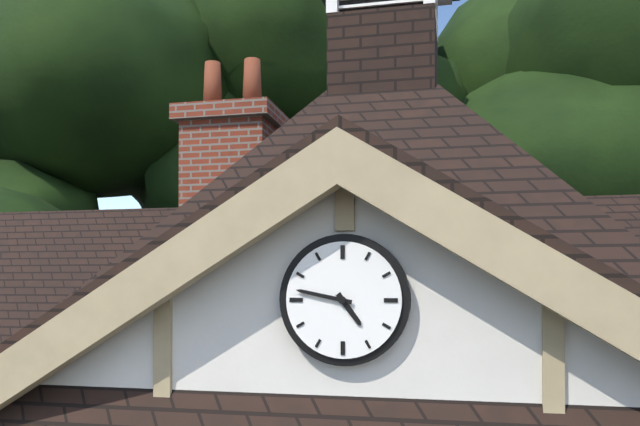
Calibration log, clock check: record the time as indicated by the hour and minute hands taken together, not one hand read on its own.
4:47
